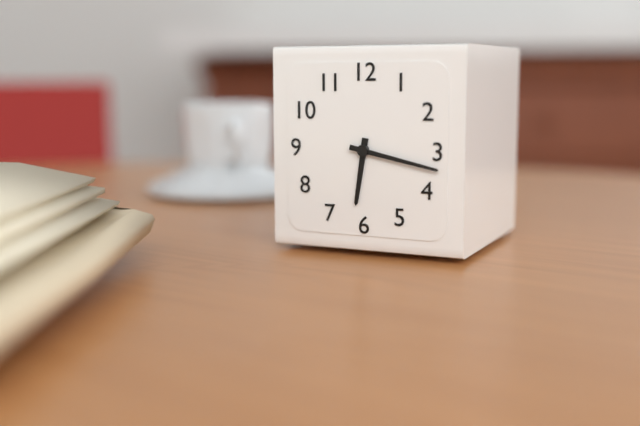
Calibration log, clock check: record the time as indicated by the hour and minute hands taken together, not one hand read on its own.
6:17
